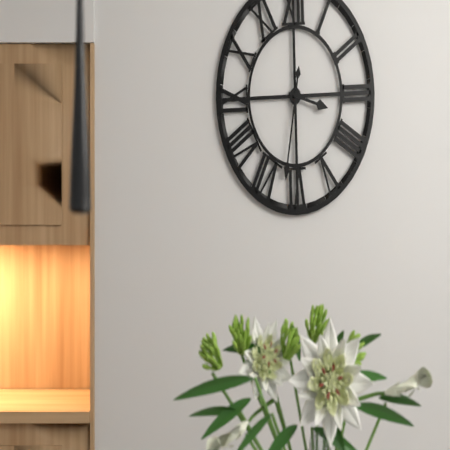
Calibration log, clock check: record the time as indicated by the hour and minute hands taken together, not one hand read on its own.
3:32
